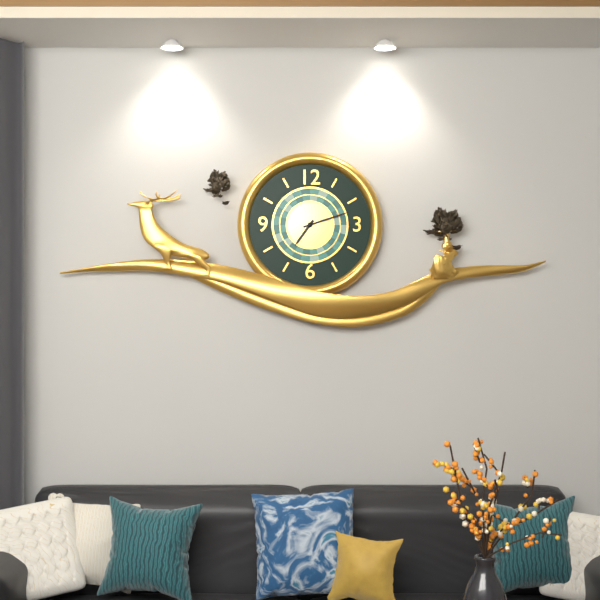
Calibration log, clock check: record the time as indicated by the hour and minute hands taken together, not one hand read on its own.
7:12
